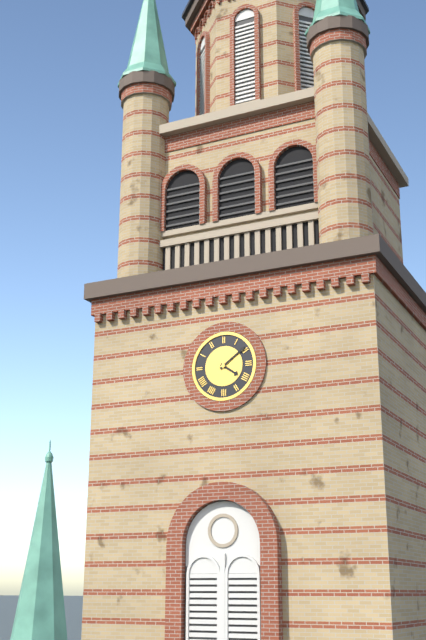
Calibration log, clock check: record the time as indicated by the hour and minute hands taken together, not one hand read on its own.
4:09
